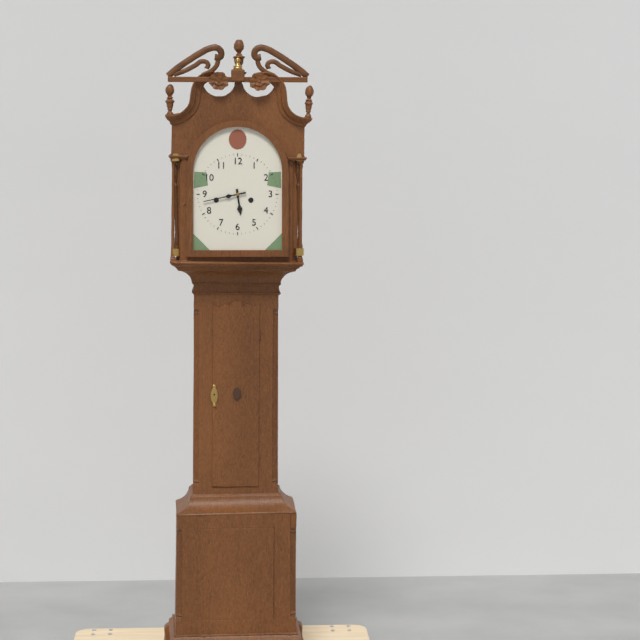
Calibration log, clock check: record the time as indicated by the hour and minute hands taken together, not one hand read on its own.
5:43
